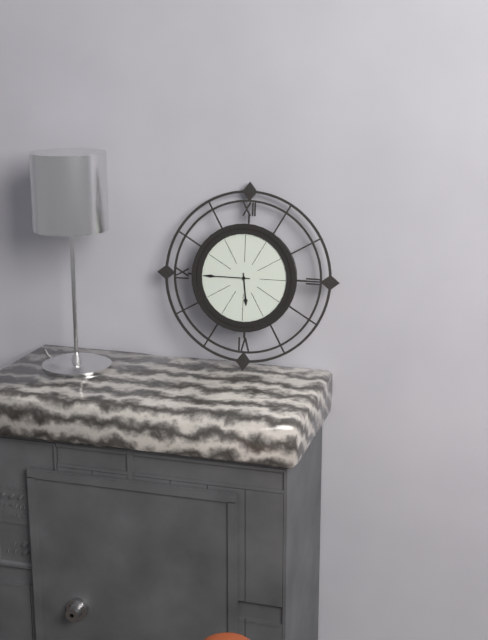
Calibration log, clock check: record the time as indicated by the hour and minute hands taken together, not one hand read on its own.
5:45
